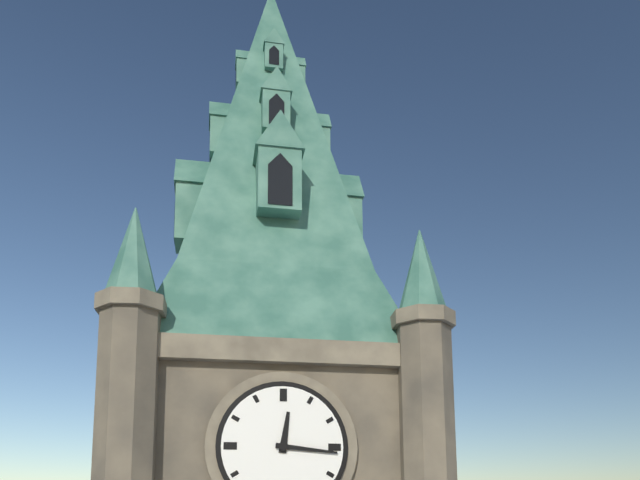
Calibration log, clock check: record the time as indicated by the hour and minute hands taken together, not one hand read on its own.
12:16
